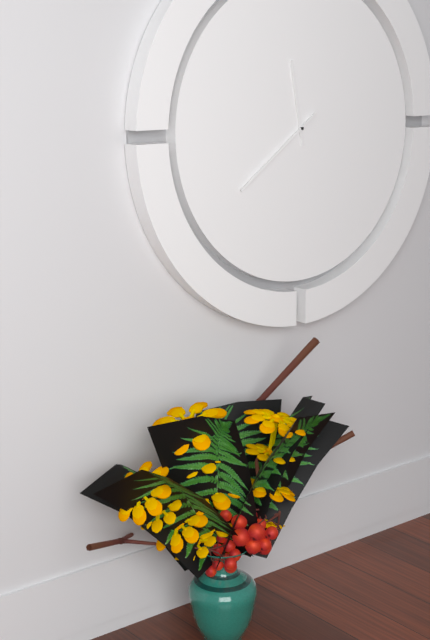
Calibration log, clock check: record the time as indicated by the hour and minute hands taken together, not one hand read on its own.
11:39
